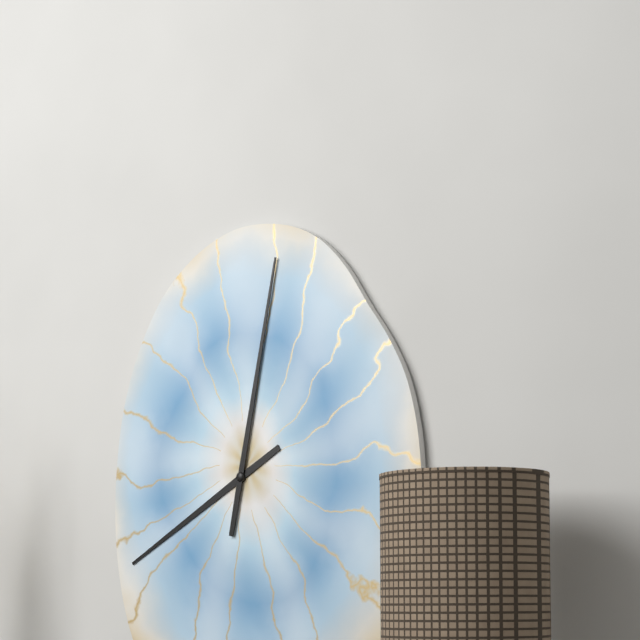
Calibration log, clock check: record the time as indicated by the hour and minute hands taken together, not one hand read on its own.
8:02
